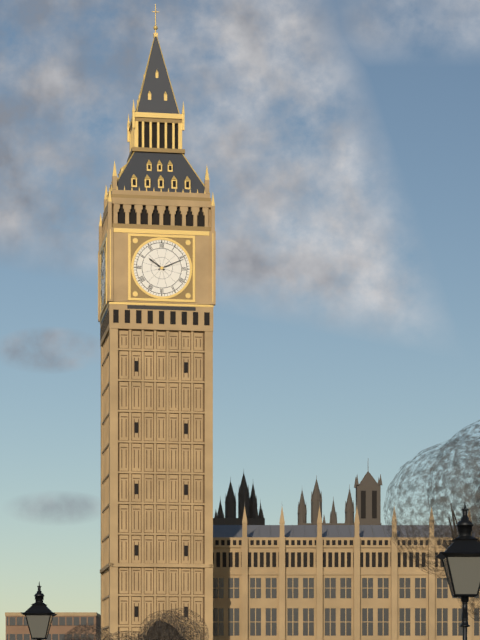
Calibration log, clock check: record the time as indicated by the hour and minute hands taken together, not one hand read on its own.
10:11
